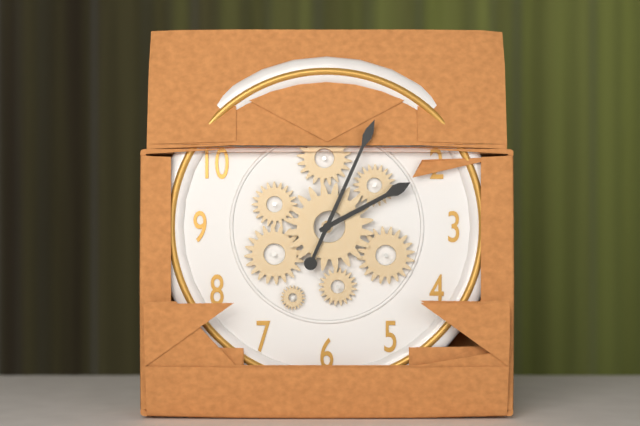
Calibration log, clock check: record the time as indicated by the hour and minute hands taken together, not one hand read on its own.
2:04
